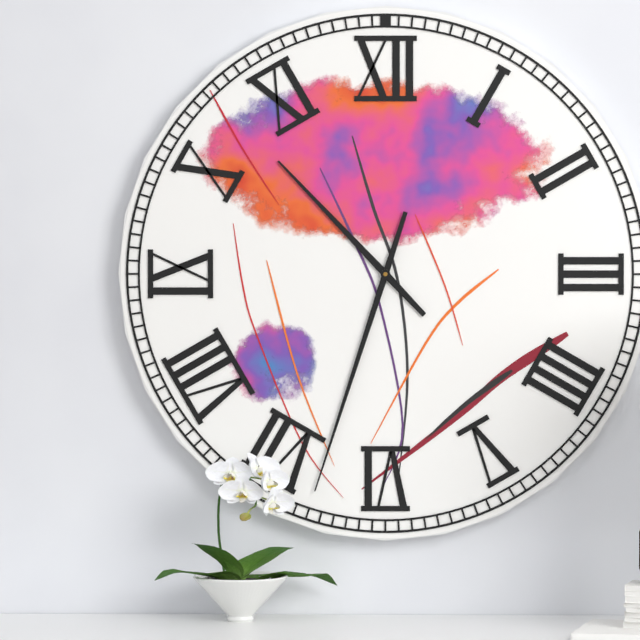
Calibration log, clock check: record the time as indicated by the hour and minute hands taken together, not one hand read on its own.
10:33
